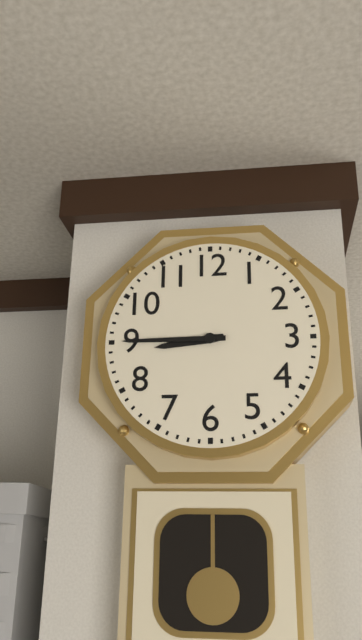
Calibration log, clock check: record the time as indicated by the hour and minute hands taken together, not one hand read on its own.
8:45
